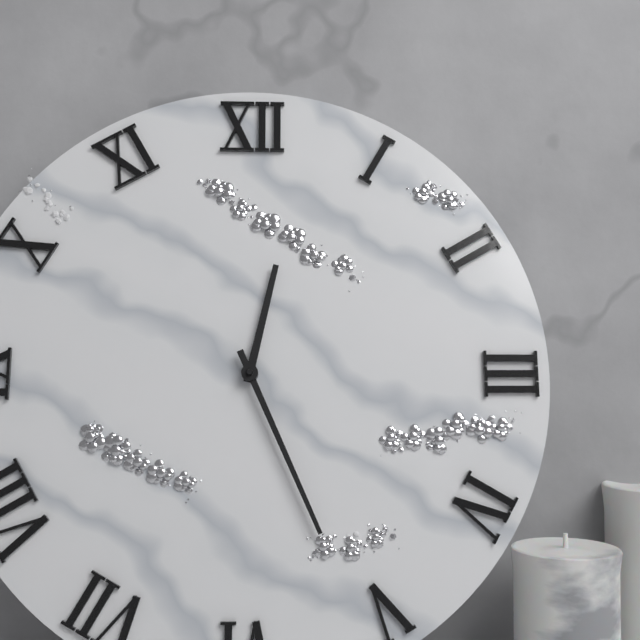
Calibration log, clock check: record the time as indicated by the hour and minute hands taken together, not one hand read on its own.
12:26
